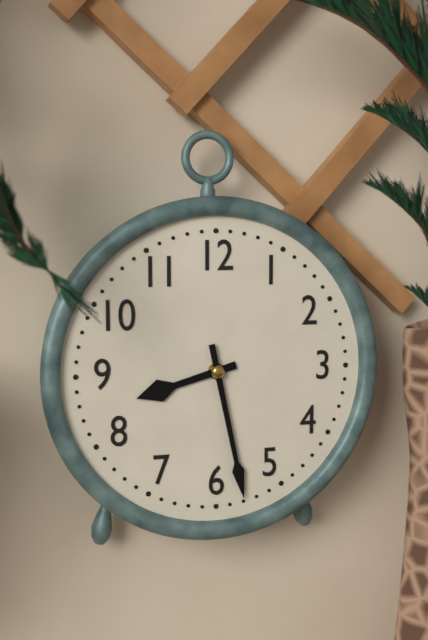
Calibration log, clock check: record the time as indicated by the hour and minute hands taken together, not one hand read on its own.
8:28
